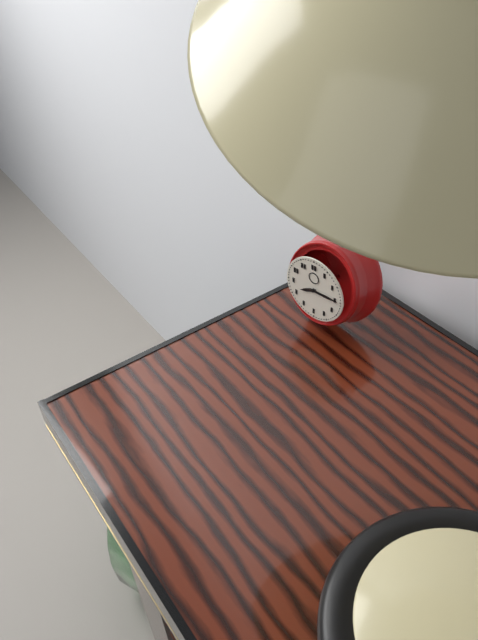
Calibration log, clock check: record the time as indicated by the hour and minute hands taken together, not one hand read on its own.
8:15
